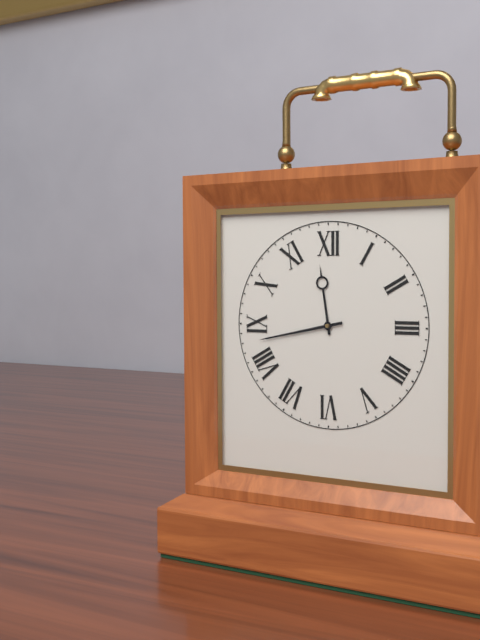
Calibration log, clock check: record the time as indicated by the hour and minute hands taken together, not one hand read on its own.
11:43
